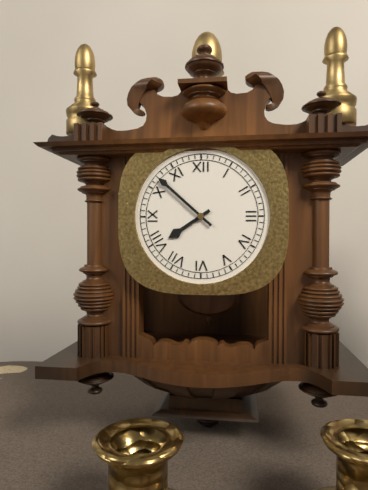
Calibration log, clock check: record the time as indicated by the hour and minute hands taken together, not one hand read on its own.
7:52
